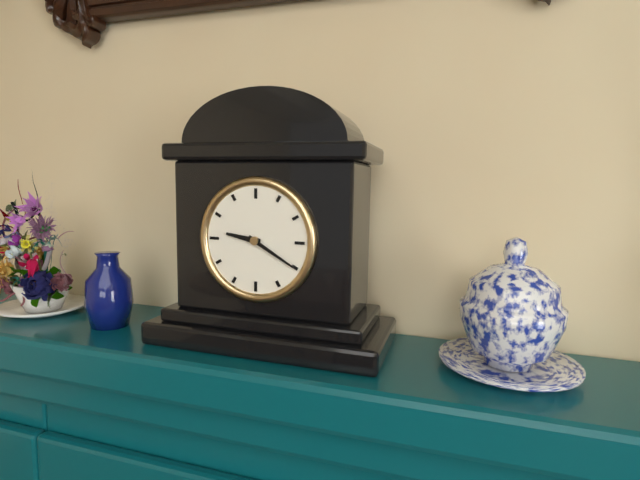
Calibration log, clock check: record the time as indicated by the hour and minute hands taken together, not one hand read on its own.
9:20
